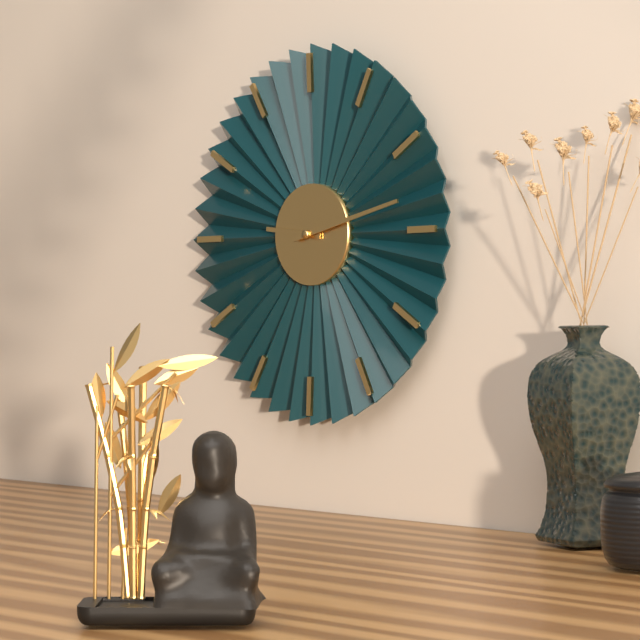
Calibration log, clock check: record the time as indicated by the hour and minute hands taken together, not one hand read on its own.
9:13
